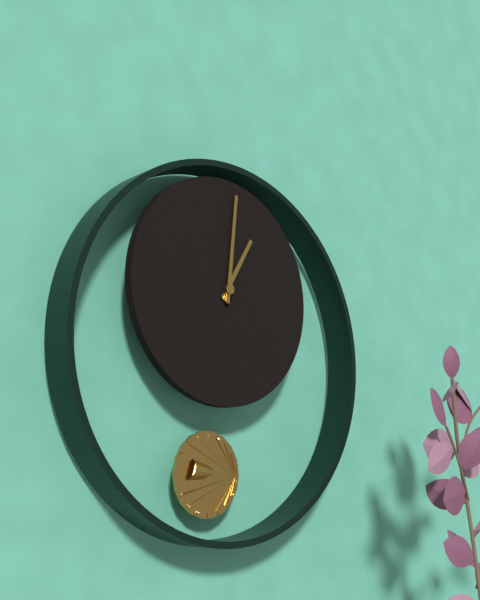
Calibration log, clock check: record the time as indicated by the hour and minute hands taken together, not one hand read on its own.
1:01
